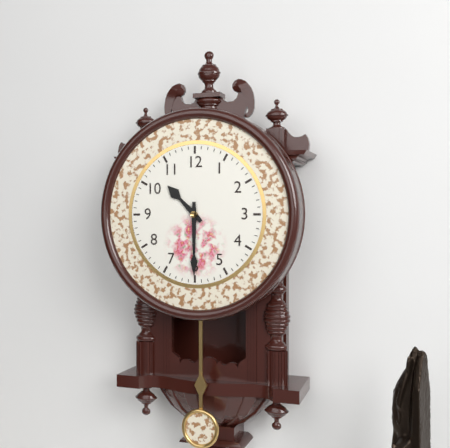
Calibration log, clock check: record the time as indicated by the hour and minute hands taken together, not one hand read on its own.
10:30
